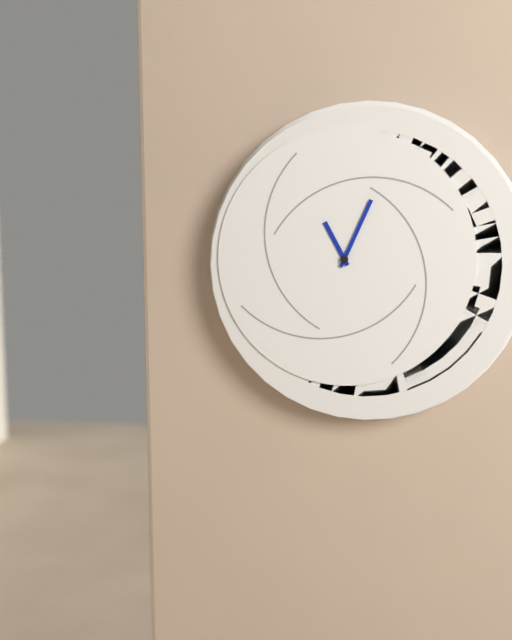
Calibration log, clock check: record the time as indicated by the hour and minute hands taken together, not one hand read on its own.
11:04
